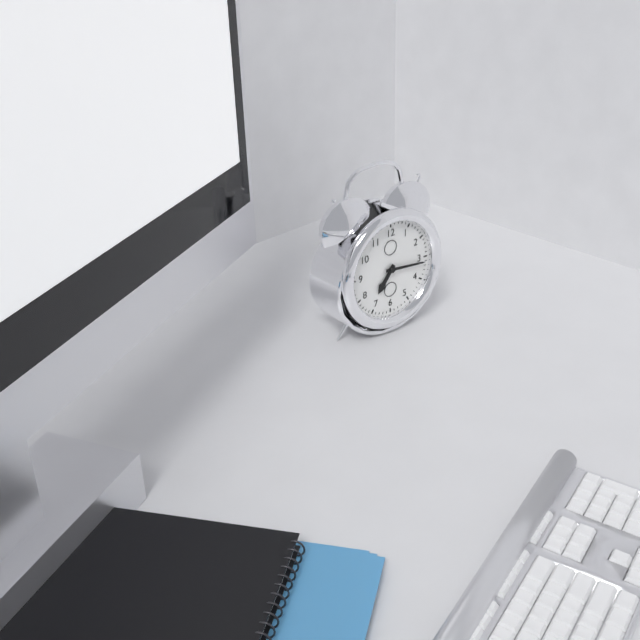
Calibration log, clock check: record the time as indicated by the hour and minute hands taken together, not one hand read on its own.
7:16
